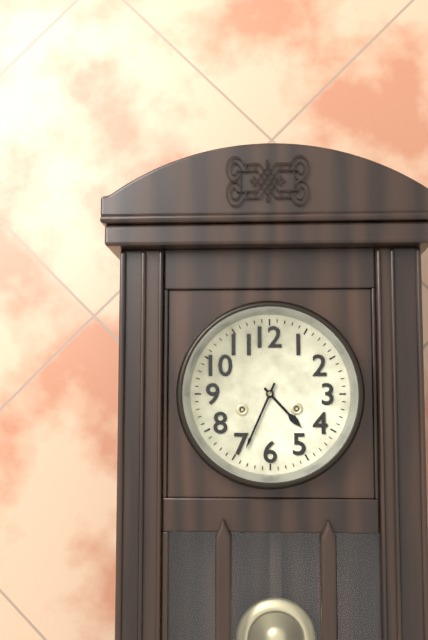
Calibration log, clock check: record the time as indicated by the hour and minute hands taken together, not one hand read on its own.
4:34
